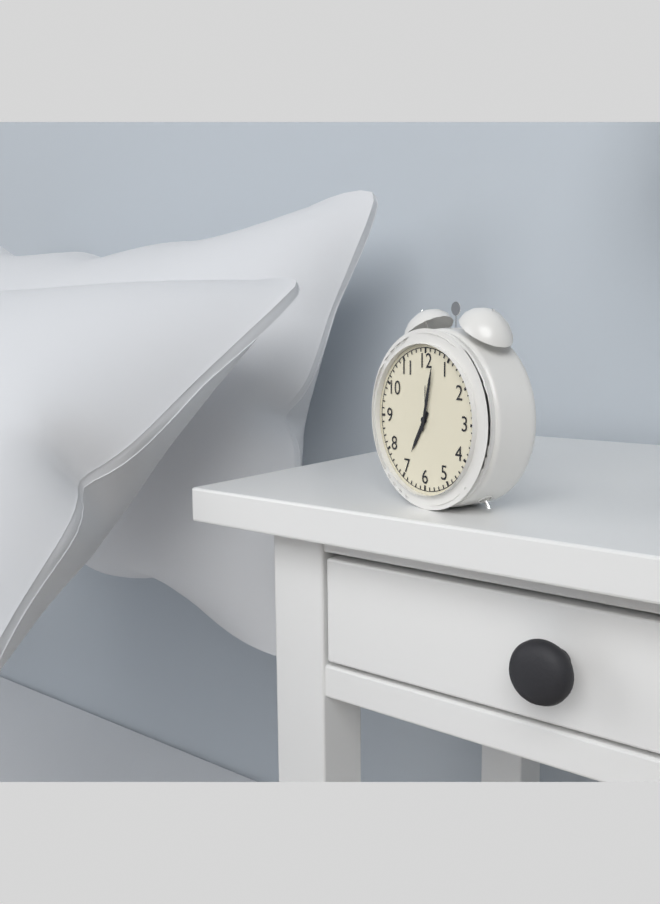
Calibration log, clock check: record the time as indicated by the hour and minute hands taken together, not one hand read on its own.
7:02
